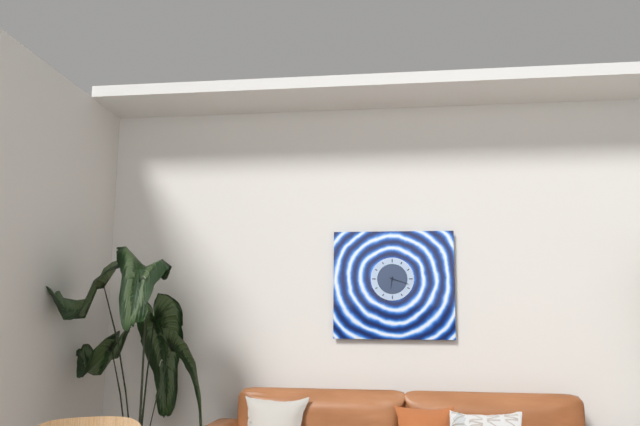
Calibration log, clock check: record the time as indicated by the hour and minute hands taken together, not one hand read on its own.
6:18
